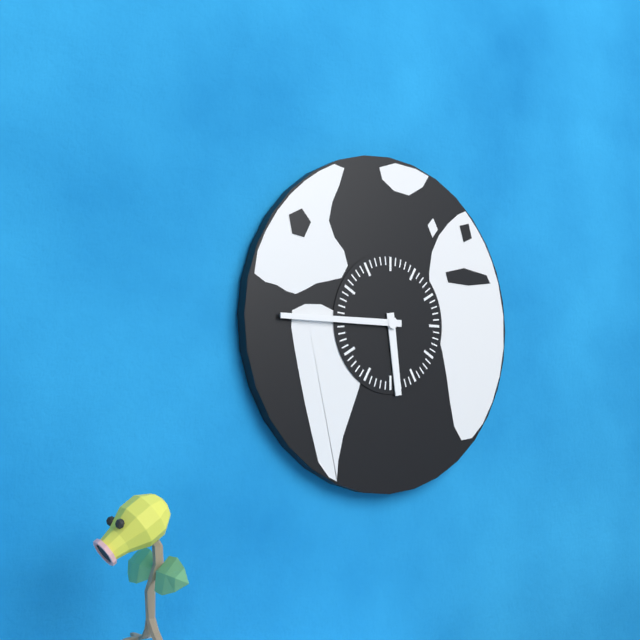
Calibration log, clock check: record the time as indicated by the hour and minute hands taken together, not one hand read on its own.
5:45
